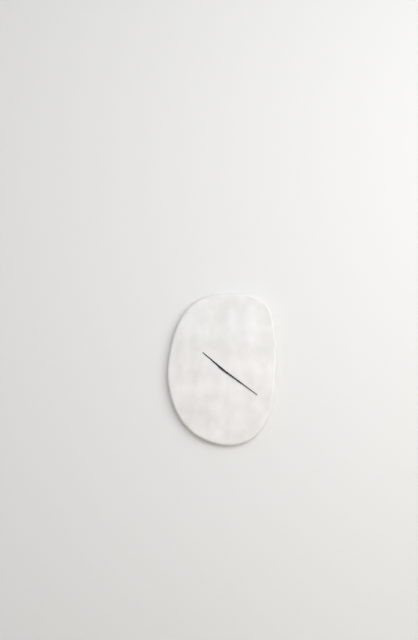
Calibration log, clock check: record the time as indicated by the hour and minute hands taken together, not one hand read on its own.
10:21
